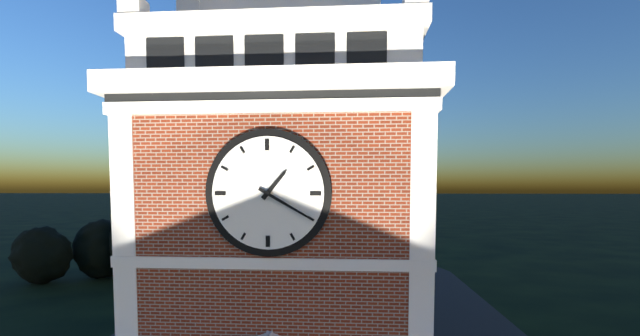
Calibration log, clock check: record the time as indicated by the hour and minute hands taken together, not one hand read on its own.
1:20
